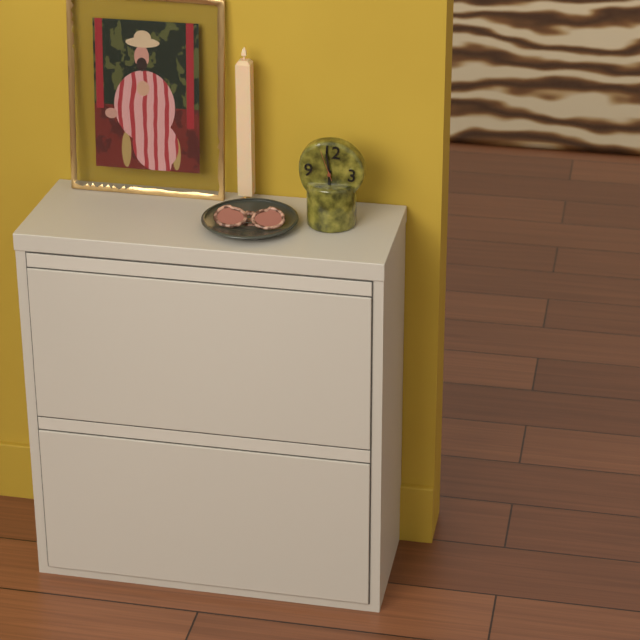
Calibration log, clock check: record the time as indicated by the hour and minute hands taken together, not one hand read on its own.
5:58
